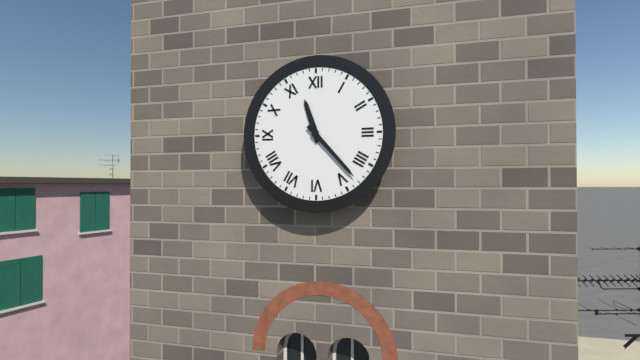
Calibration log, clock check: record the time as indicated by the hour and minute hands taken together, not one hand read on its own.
11:23
